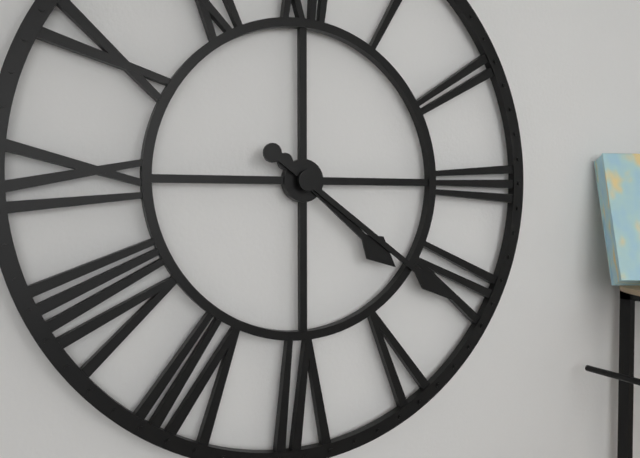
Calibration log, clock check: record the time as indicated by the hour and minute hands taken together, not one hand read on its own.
4:21
